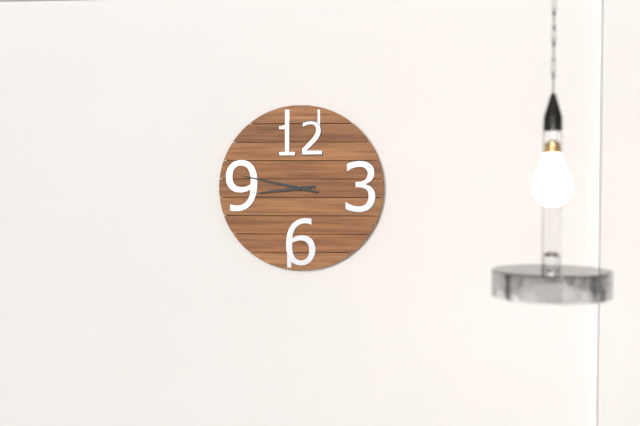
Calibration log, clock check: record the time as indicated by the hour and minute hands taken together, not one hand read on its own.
8:47
